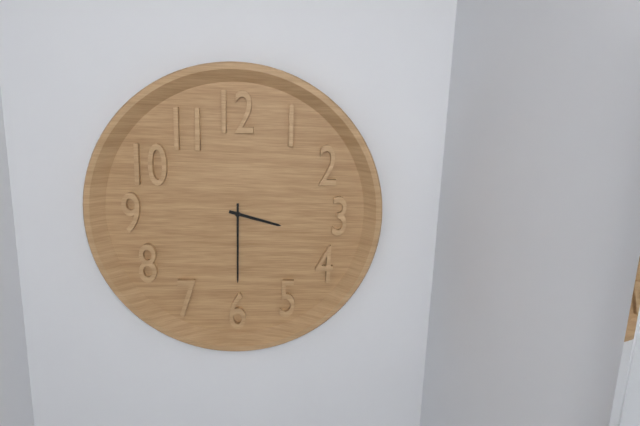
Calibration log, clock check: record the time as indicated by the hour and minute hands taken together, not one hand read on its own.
3:30
